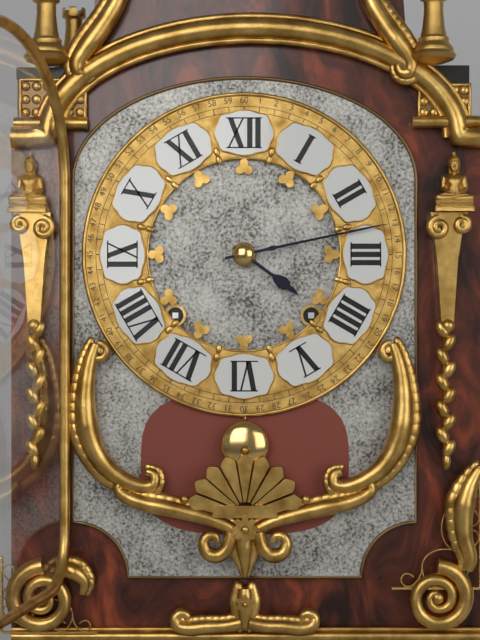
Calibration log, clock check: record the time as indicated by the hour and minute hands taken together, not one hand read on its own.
4:13
